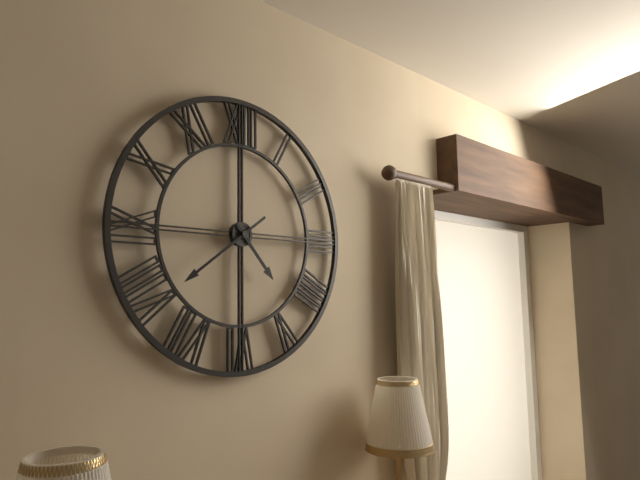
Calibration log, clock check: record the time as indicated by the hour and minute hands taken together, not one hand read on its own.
4:39
